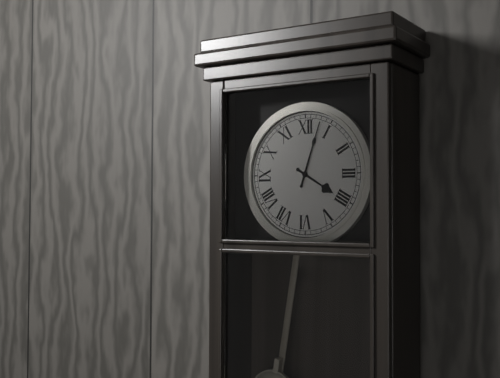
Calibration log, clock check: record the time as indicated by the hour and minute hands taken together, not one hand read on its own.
4:03
